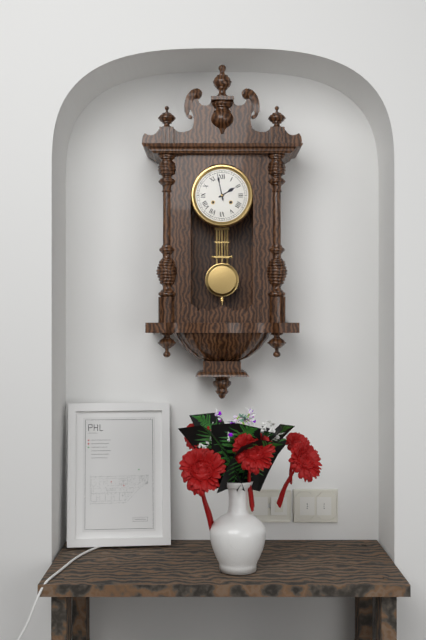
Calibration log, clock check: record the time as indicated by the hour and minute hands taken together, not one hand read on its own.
1:58
